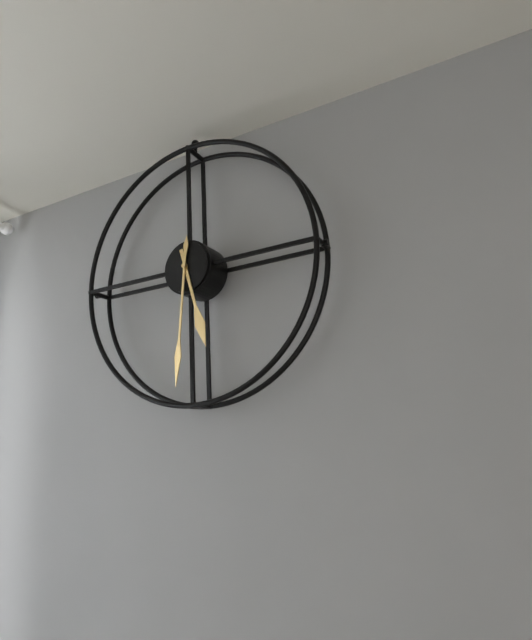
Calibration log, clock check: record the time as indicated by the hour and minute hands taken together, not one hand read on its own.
5:31
